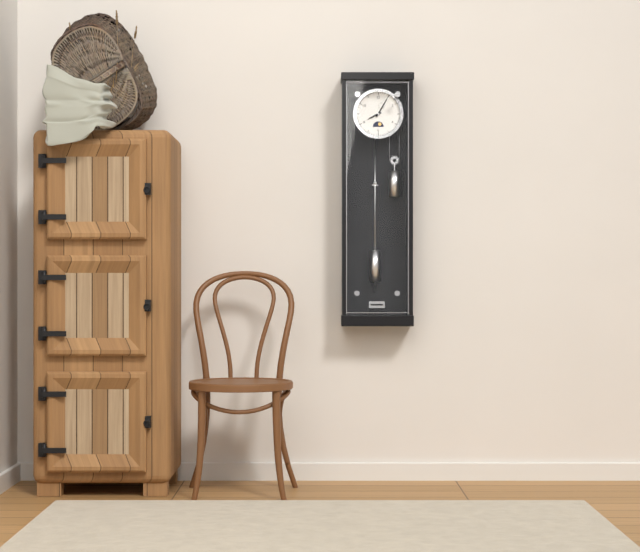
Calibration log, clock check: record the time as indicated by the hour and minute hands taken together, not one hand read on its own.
8:05
